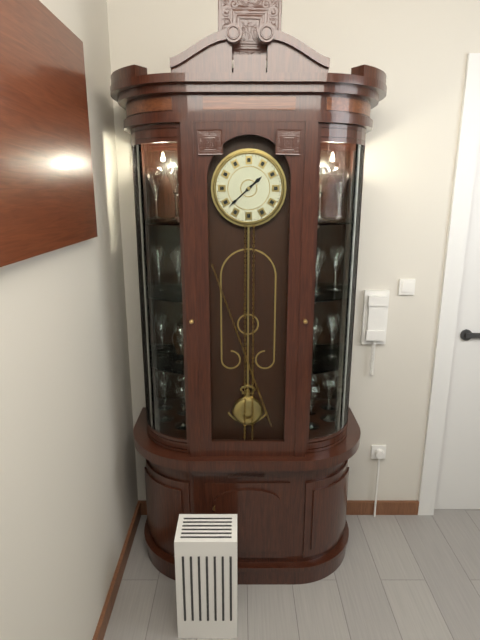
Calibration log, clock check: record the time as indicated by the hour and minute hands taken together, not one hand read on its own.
1:38
